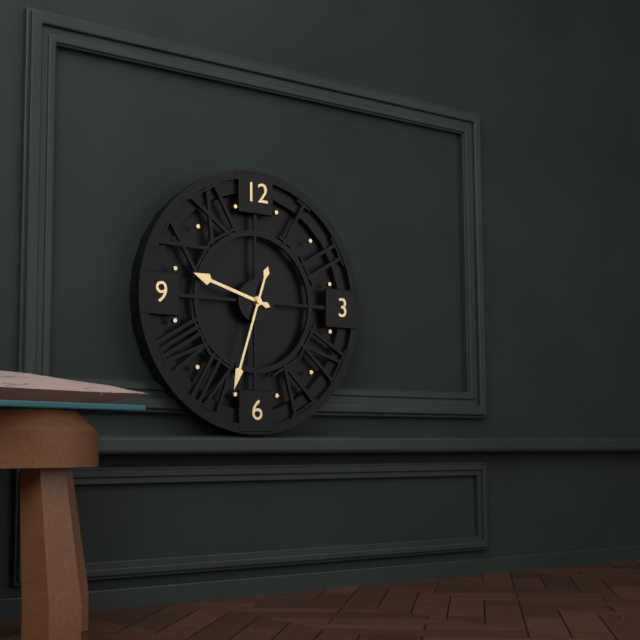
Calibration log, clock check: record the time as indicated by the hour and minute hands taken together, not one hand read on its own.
9:33
